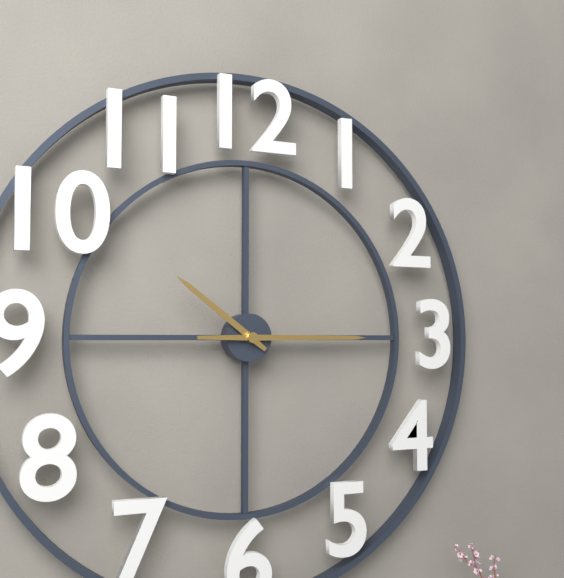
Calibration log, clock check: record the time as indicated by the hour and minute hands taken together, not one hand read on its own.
10:15
